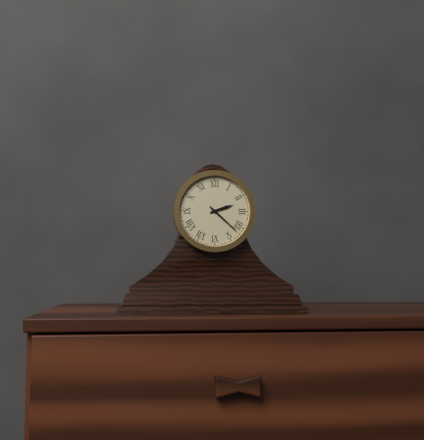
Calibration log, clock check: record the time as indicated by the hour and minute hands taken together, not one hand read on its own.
2:22
